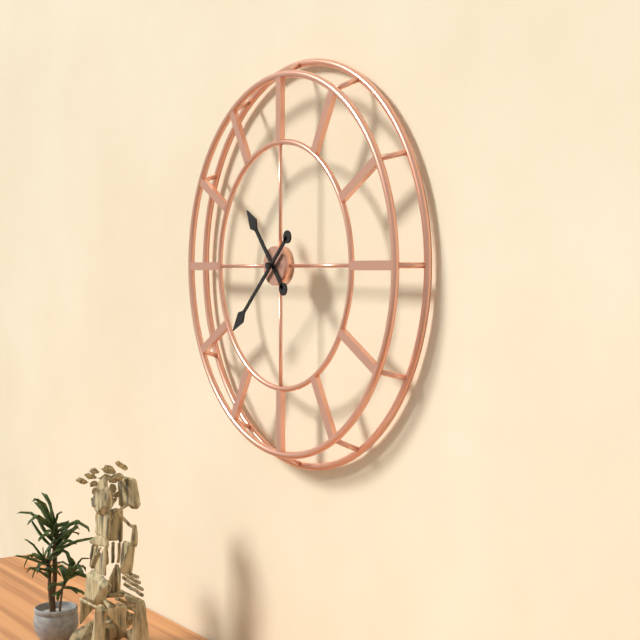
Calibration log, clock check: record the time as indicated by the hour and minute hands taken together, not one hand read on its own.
10:38
